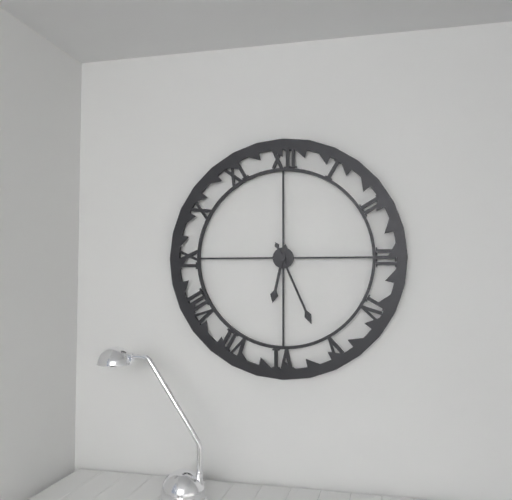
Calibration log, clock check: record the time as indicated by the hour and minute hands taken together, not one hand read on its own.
6:26
